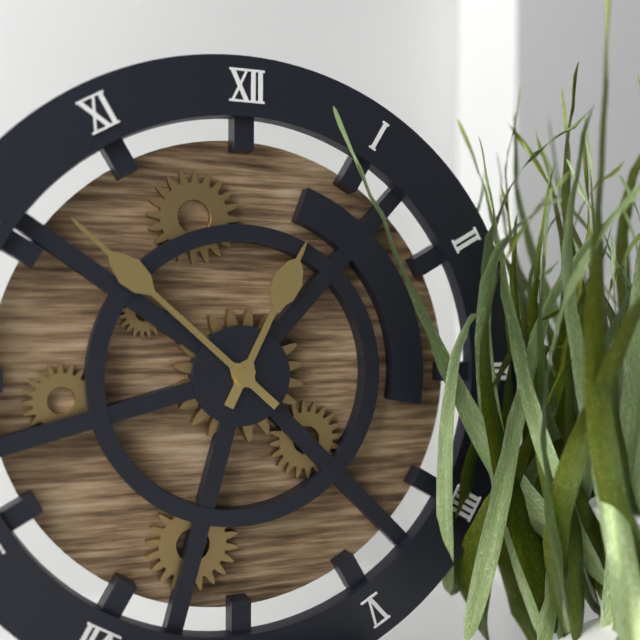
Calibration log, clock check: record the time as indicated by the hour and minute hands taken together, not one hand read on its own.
12:52
